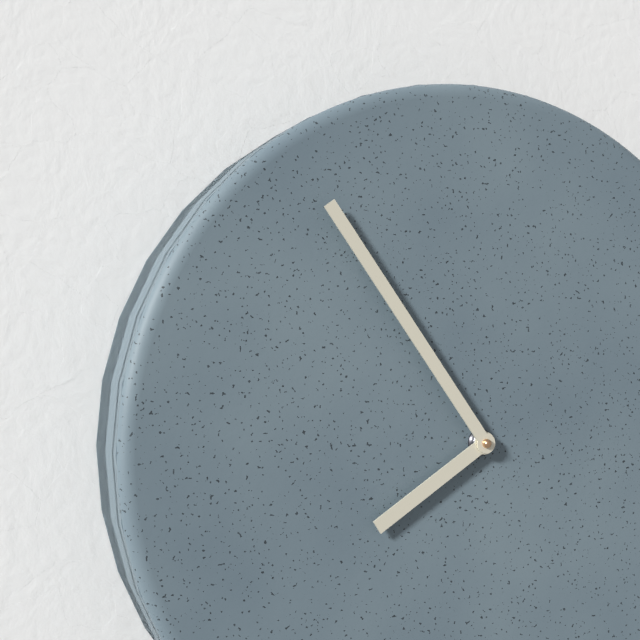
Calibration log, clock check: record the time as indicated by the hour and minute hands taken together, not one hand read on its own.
7:54
